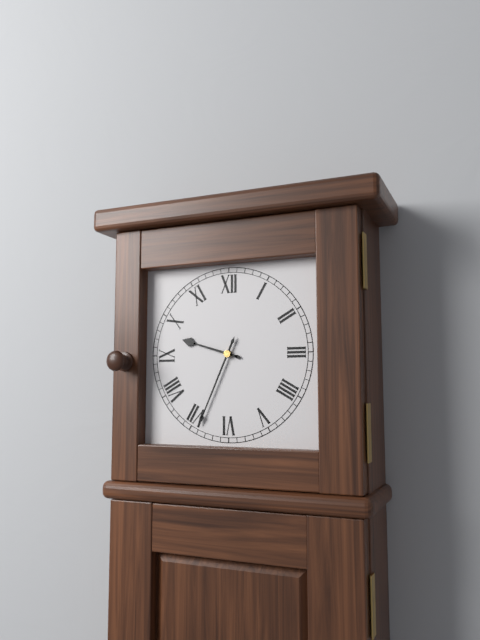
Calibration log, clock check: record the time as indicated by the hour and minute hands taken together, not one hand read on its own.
9:34
